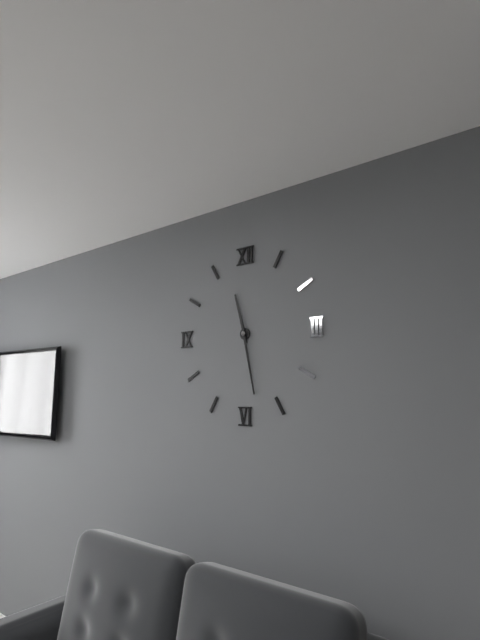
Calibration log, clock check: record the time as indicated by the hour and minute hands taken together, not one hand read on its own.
11:28
